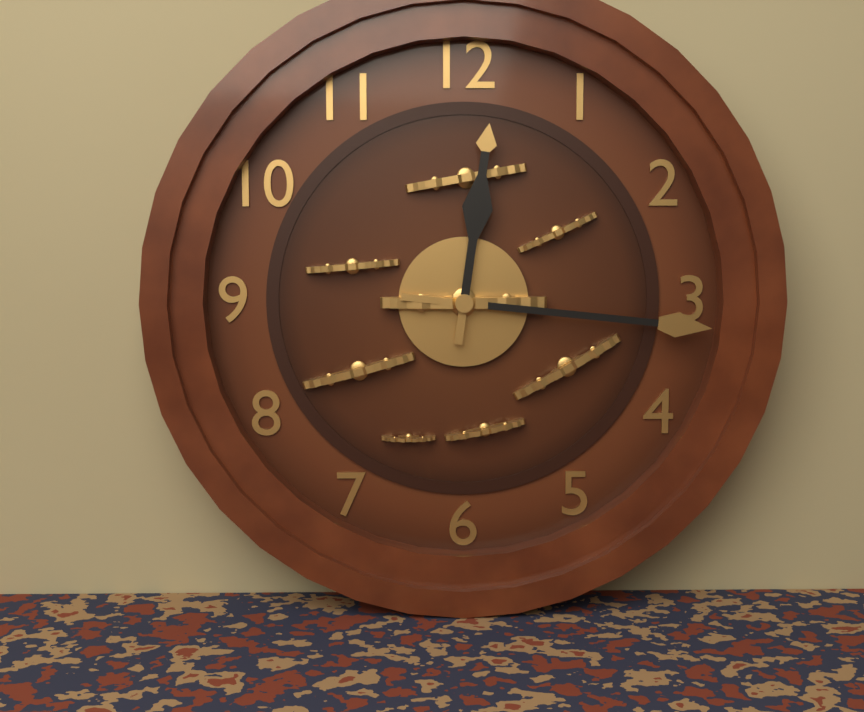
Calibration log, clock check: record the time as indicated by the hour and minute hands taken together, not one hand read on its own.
12:16
